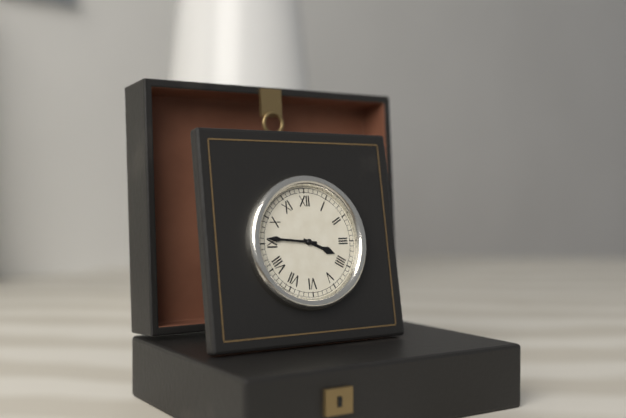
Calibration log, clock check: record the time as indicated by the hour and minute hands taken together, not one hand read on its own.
3:46
